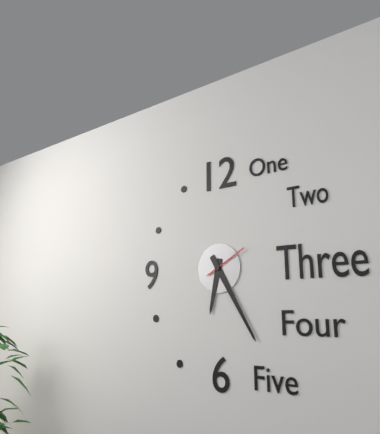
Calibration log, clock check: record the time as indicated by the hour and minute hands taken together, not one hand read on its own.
6:25
